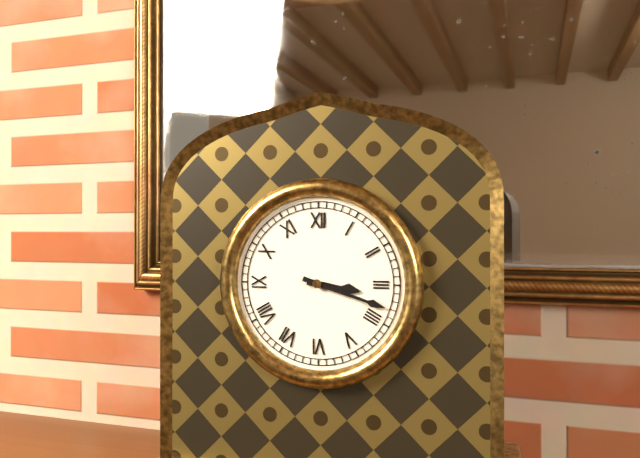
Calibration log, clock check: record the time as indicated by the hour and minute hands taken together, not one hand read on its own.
3:18
